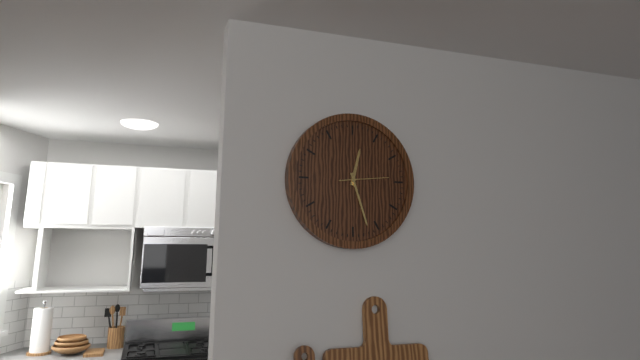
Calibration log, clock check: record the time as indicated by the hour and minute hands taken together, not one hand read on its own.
12:27
